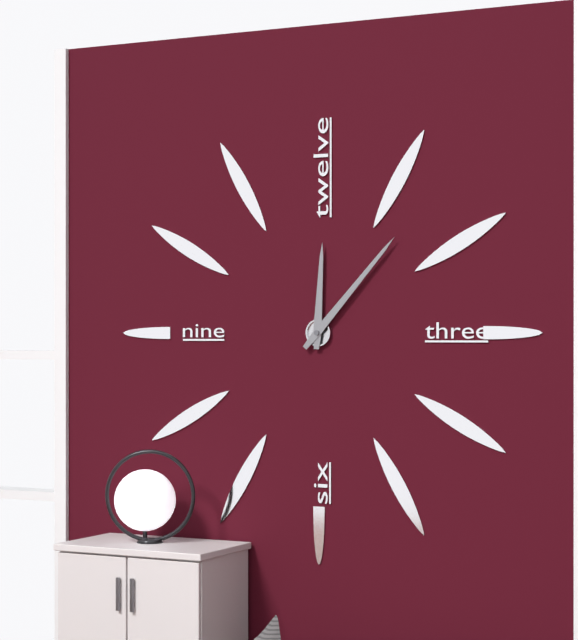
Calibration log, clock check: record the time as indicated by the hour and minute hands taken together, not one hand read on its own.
12:07
